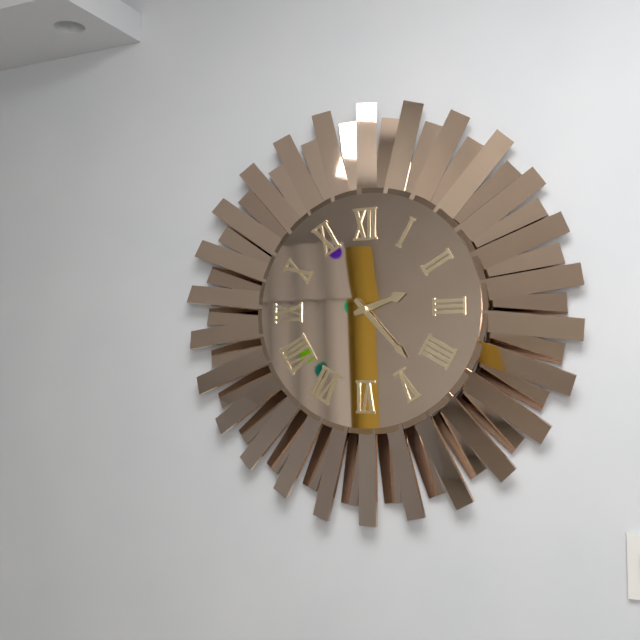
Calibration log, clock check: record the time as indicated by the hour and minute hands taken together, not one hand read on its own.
2:23
